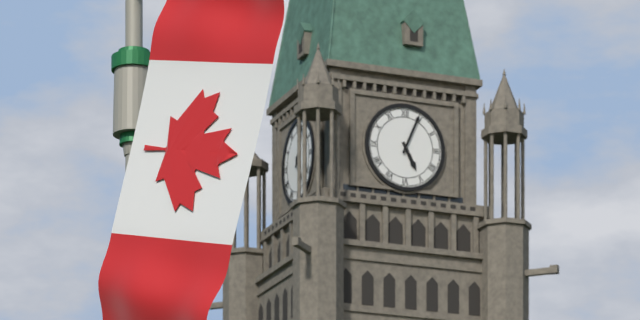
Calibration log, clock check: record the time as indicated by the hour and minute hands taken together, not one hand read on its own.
5:04
